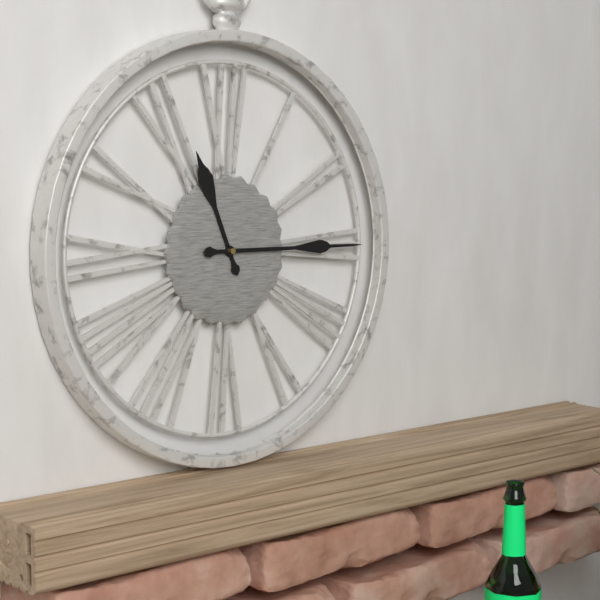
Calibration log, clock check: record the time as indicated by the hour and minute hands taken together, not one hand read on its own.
11:15
